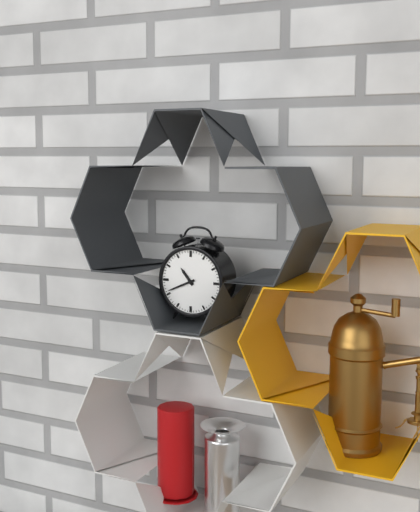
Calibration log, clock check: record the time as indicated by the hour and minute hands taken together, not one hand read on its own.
10:41
